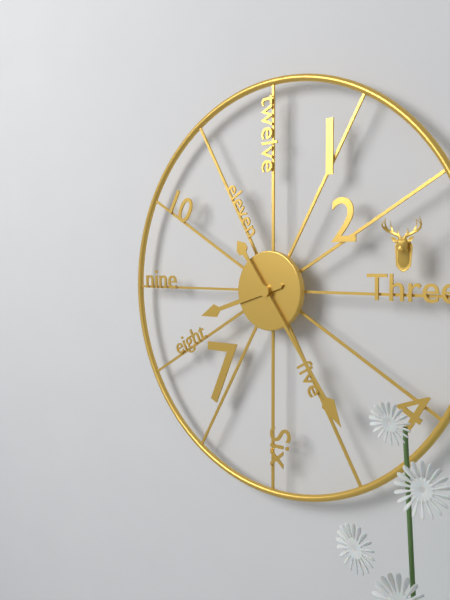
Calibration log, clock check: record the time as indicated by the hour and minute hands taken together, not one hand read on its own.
8:24
